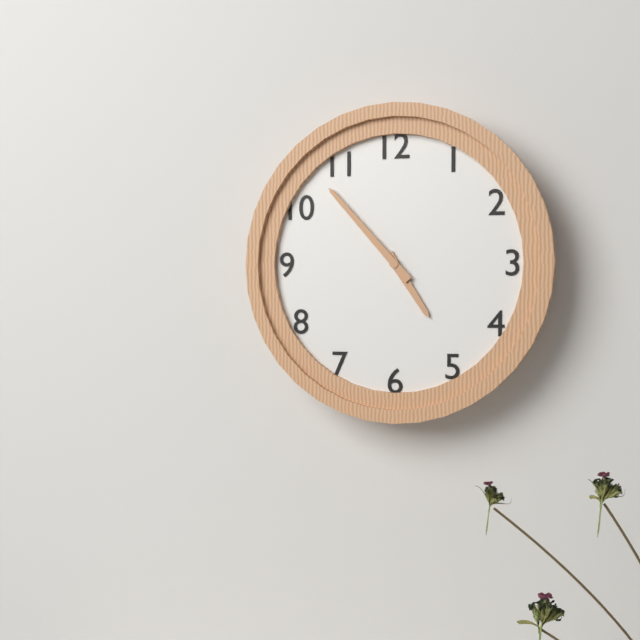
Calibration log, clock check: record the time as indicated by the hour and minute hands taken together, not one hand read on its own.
4:53
